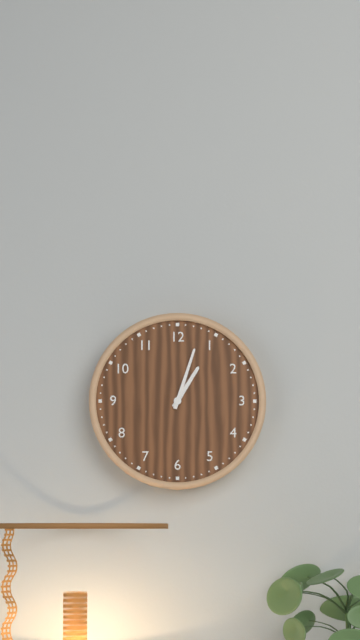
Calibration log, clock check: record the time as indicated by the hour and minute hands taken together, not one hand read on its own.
1:03
